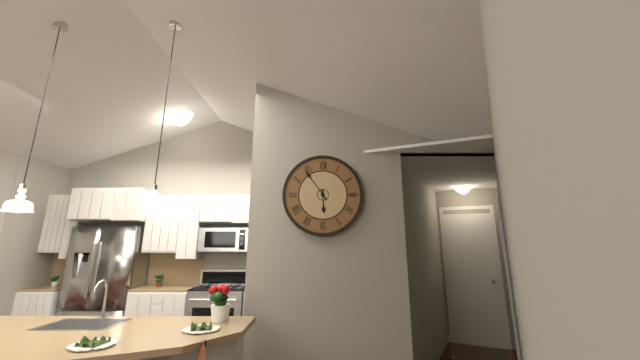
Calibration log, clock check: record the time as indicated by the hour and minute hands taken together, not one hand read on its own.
5:54
